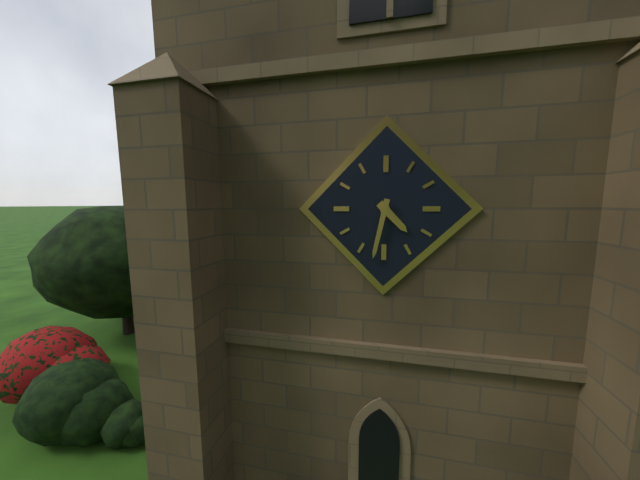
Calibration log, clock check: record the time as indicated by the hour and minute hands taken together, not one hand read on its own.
4:32
